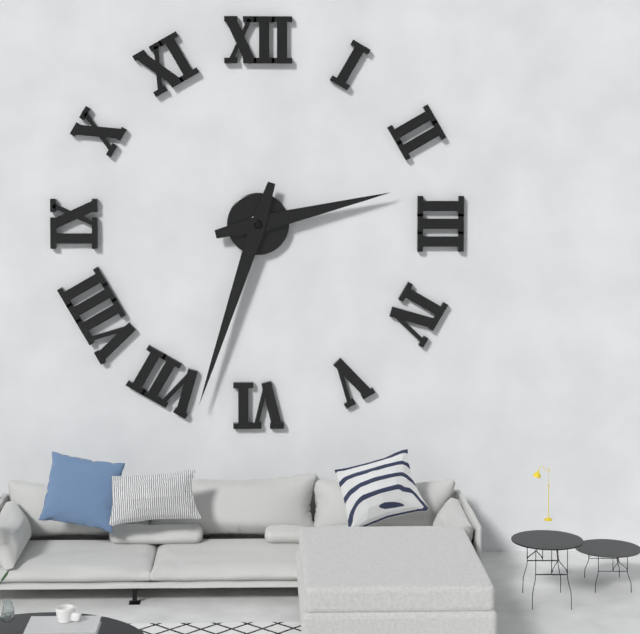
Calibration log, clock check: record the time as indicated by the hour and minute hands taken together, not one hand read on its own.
2:33
